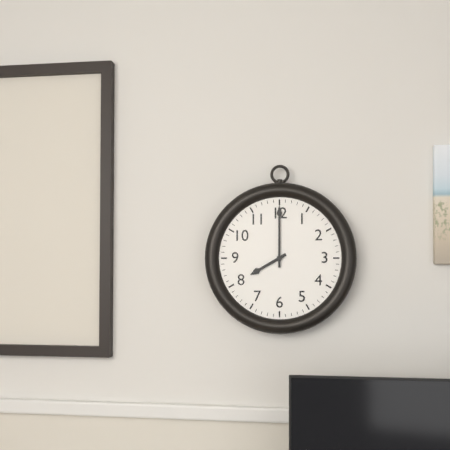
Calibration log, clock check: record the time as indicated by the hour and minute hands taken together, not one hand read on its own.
8:00
